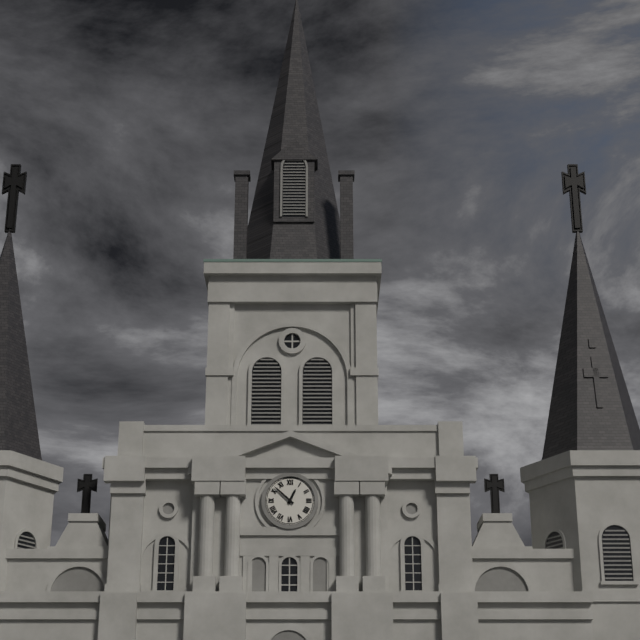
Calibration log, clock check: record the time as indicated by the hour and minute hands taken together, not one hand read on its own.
12:52
